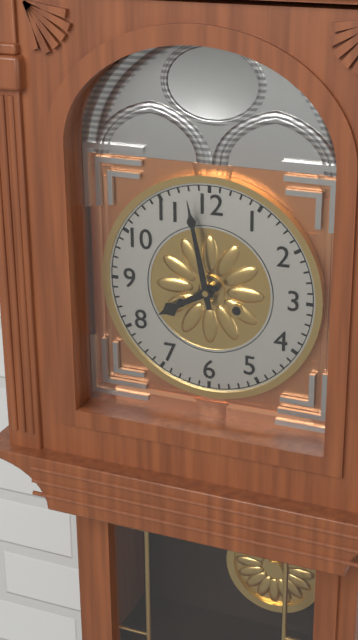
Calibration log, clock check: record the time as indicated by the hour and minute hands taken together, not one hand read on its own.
7:58
